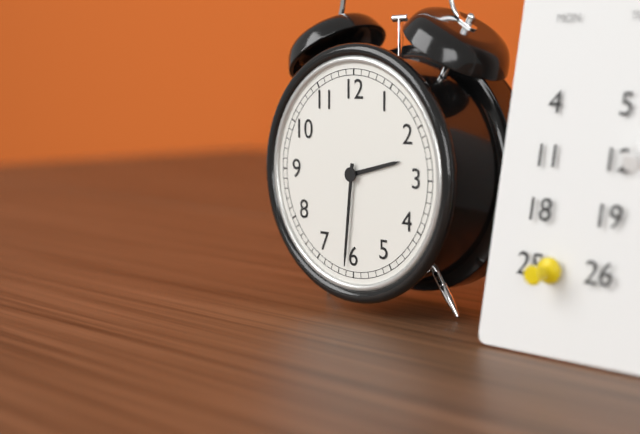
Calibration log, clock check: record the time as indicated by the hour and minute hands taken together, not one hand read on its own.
2:31
